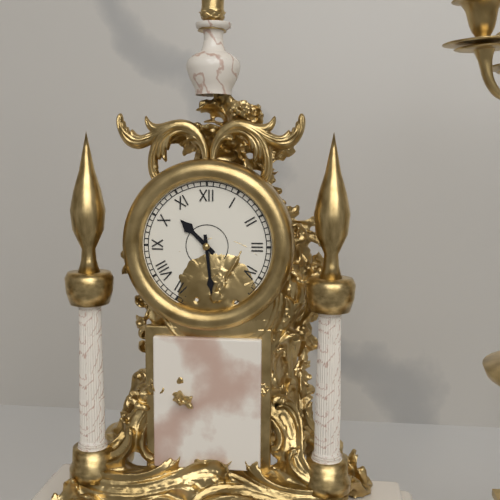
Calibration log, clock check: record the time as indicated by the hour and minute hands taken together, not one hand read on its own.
10:29
